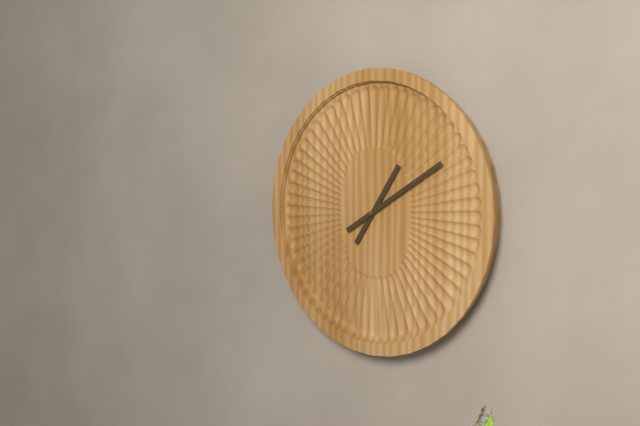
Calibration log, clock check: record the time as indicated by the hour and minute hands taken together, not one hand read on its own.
1:10
